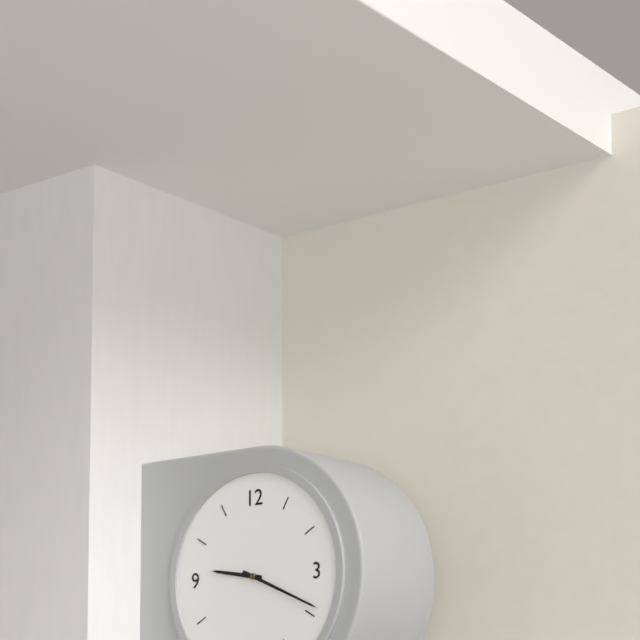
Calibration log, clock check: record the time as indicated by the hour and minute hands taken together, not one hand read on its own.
9:19
